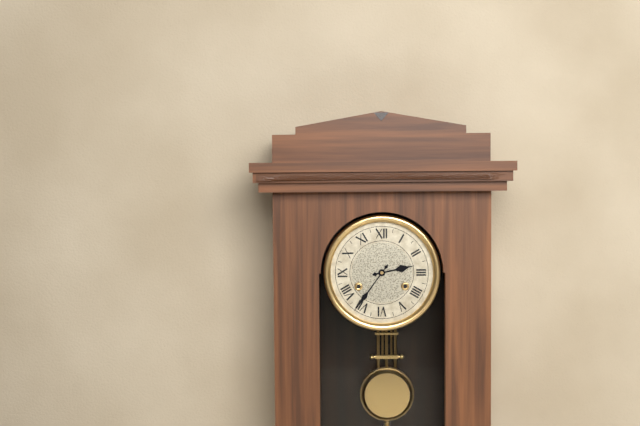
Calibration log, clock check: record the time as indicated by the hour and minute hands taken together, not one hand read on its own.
2:36
